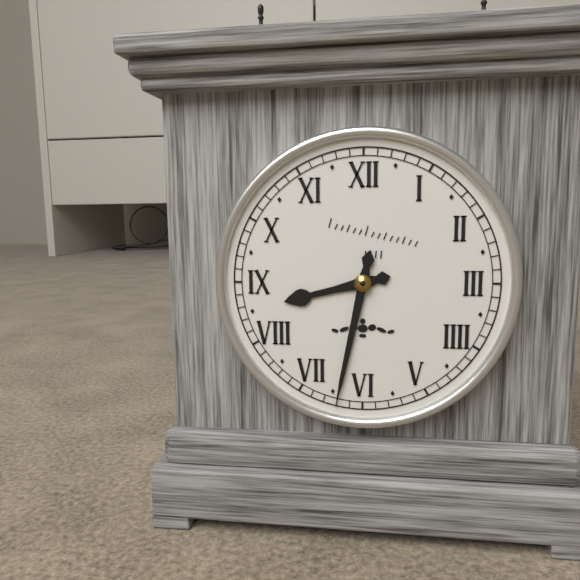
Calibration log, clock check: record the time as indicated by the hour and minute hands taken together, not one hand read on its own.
8:32
